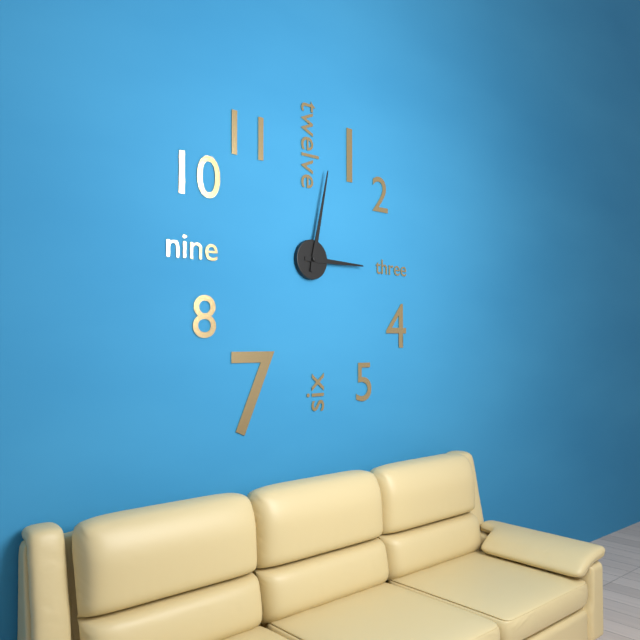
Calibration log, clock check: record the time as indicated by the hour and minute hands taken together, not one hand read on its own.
3:02
